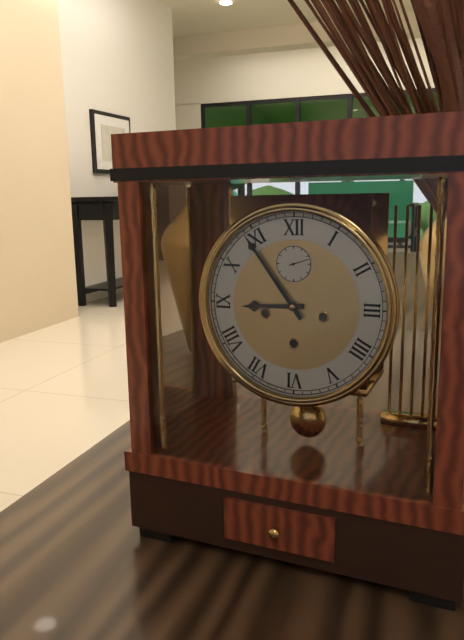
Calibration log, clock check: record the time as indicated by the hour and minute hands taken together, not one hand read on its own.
8:54
